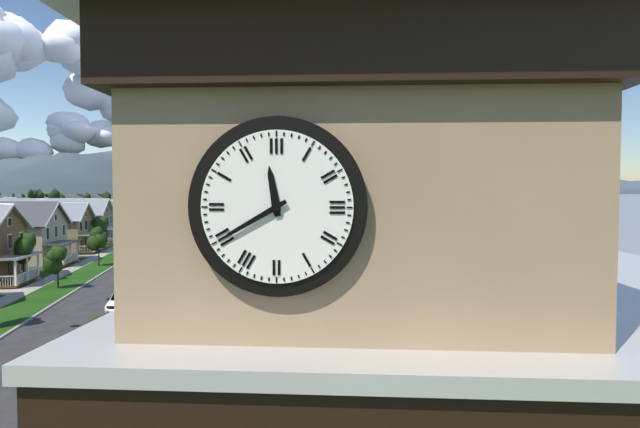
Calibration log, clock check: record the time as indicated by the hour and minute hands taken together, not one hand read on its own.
11:40
